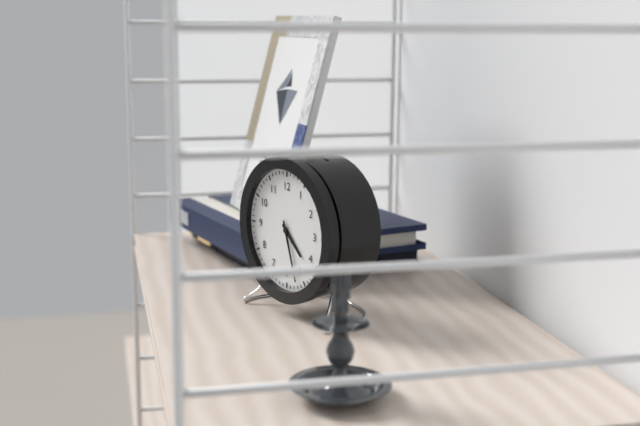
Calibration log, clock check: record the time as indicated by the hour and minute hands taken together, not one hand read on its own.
4:27
